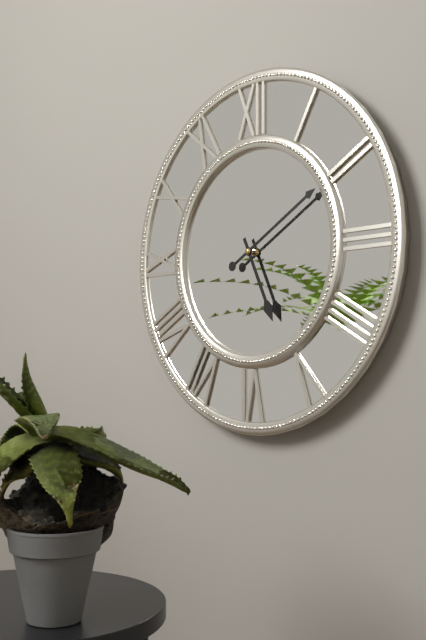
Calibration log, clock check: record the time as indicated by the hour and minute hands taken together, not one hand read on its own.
5:10
